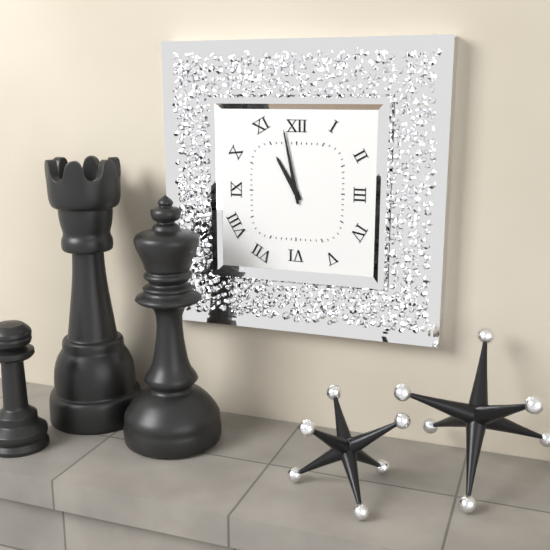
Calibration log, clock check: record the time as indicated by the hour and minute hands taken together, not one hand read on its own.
10:58
